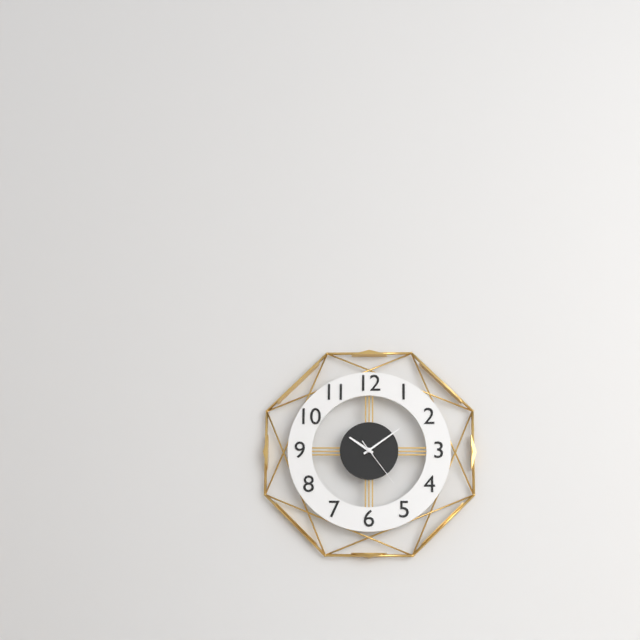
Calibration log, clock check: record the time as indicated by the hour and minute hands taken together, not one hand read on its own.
10:09
